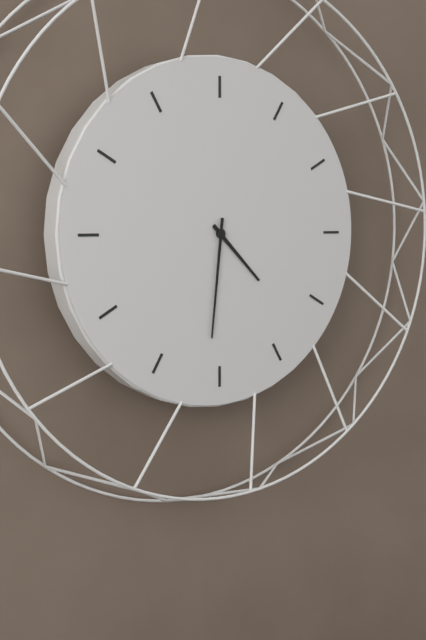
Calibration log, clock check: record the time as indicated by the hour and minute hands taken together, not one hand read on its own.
4:31
